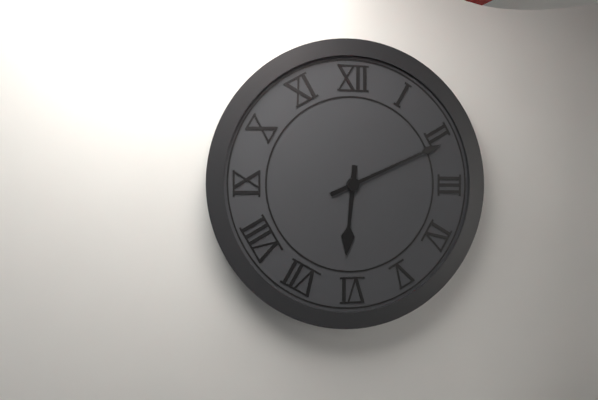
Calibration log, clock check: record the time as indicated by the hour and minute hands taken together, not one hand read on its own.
6:11
